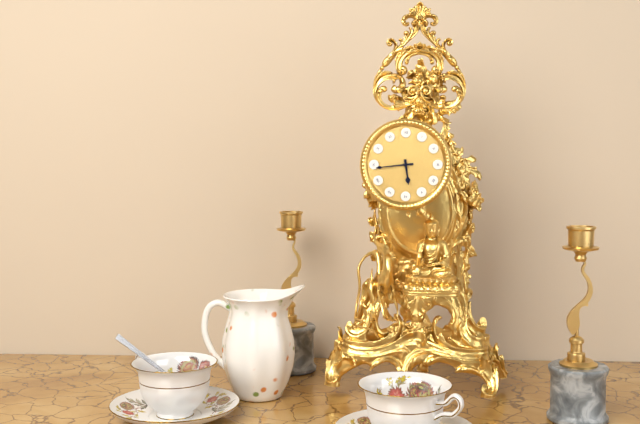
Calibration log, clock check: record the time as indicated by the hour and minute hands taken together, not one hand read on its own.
5:44
